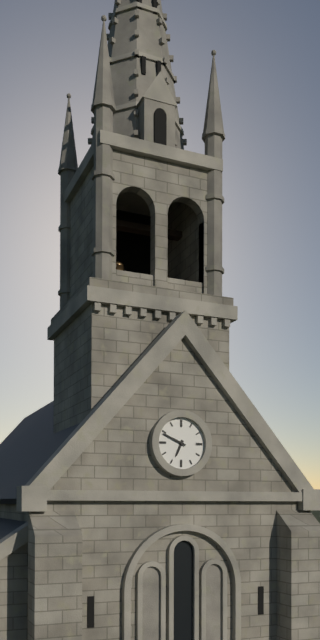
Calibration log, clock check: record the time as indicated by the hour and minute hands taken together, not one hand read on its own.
6:49
